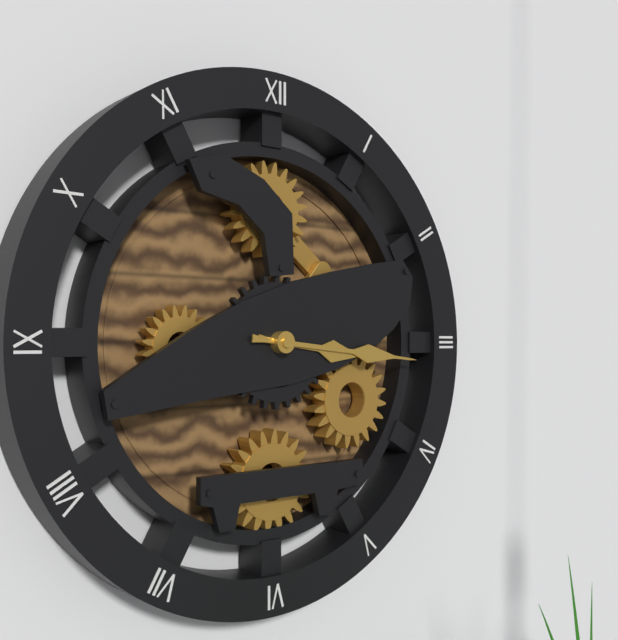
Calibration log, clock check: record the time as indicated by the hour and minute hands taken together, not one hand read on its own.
3:16
